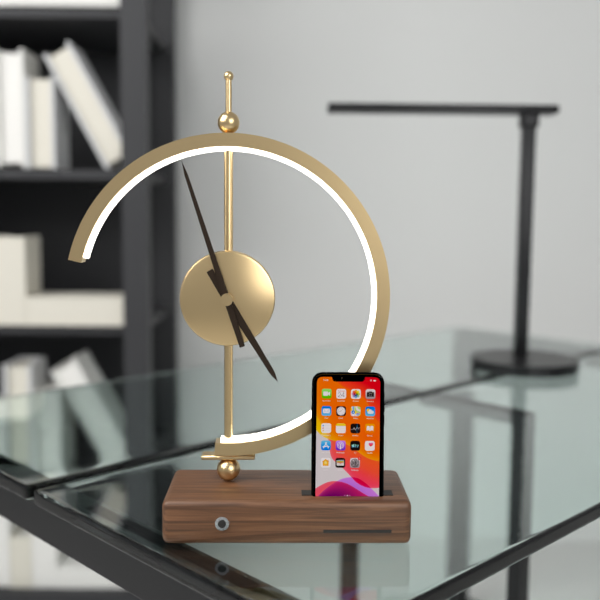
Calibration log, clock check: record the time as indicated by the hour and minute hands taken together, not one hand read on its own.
4:57
